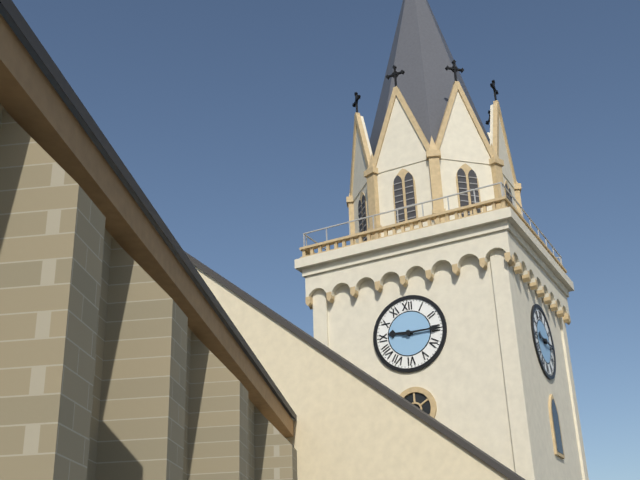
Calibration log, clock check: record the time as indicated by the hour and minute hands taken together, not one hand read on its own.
9:15
